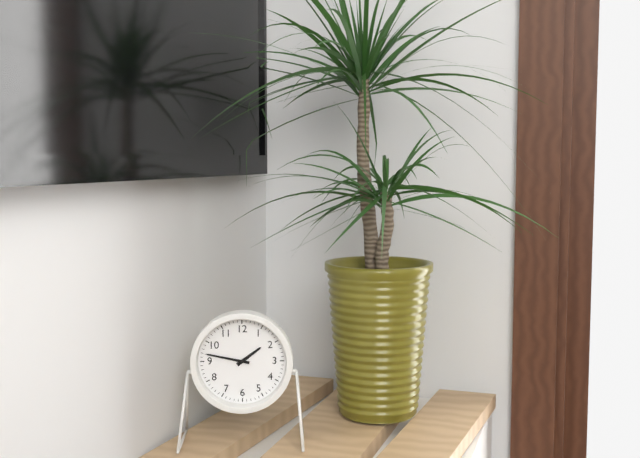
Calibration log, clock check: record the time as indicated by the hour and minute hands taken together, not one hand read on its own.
1:47
